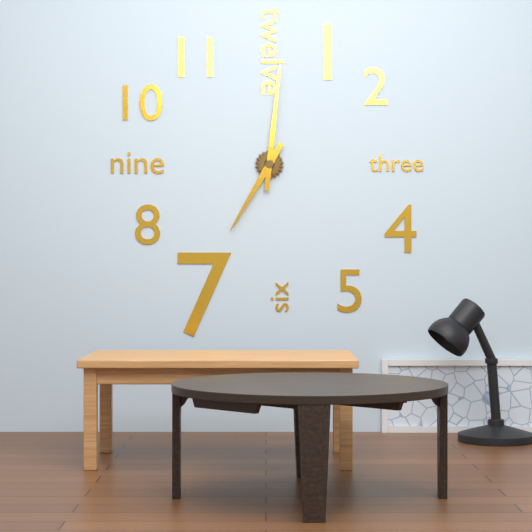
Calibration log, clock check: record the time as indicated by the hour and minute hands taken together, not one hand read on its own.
7:01
